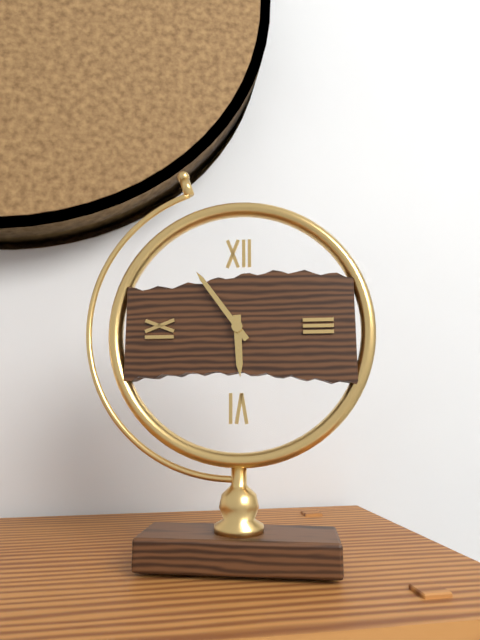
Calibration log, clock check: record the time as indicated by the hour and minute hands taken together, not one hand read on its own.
5:54
